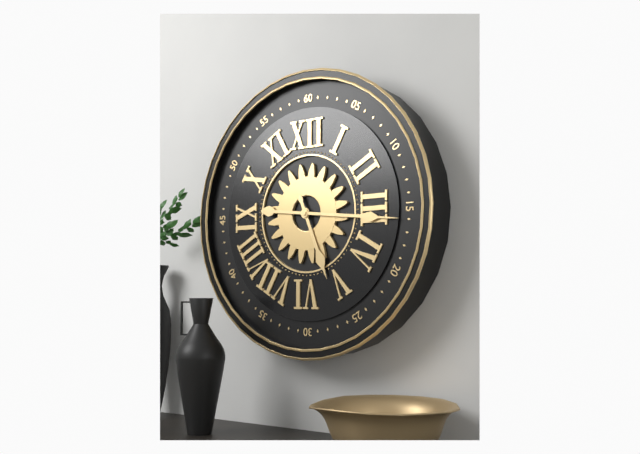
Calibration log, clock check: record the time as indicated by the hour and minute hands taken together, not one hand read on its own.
5:16
